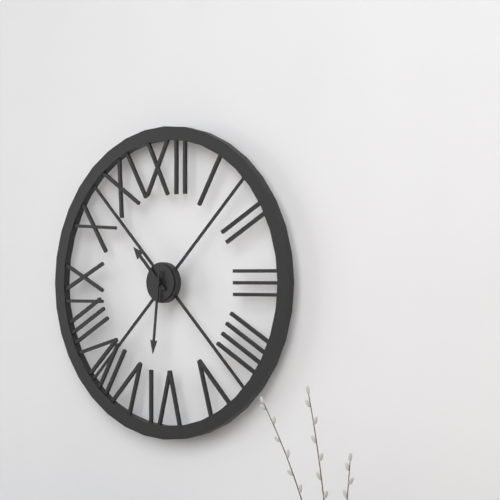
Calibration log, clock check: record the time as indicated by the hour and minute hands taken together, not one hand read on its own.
10:31
